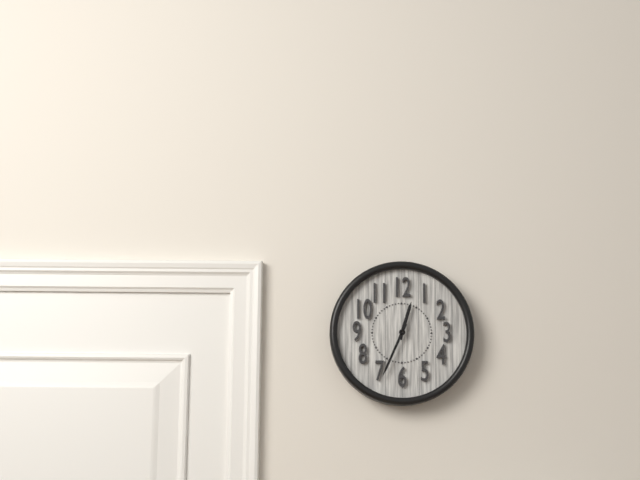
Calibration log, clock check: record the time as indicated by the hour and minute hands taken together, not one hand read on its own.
12:34
